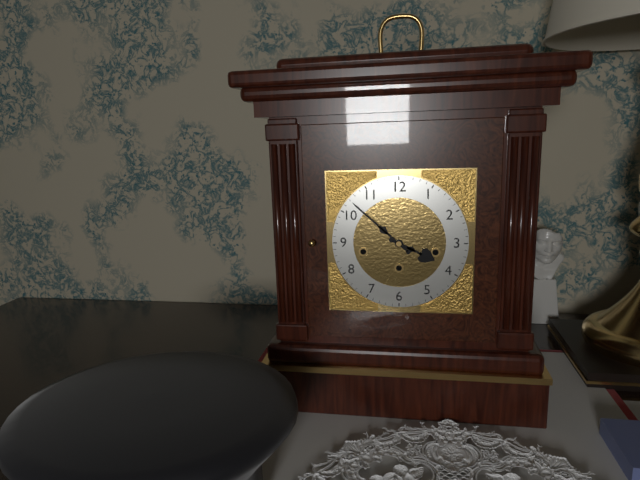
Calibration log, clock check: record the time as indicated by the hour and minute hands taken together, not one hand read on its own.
3:52
